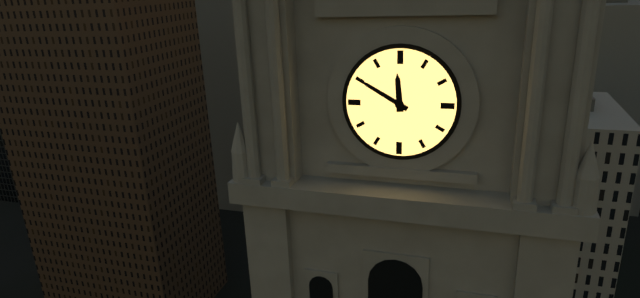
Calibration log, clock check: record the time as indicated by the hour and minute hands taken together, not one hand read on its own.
11:50
